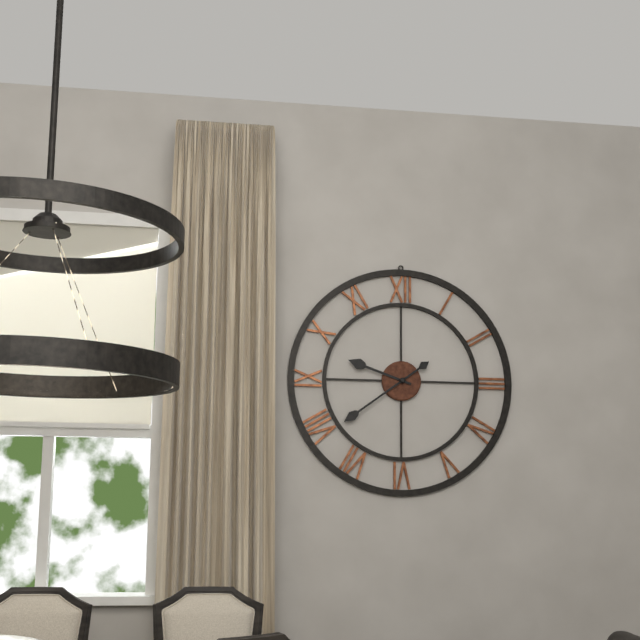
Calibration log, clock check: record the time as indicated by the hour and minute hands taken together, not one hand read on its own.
9:39
